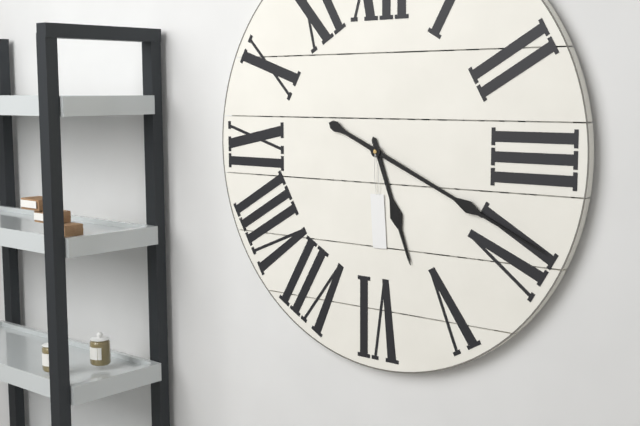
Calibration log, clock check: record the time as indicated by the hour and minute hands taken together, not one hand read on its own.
5:19
